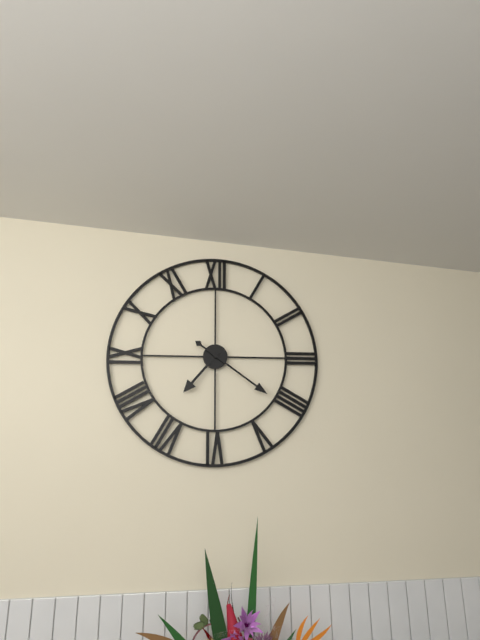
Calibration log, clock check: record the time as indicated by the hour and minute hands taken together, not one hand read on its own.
7:21
